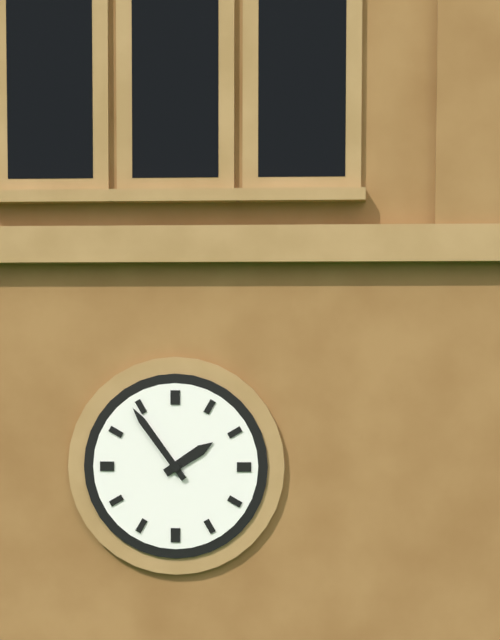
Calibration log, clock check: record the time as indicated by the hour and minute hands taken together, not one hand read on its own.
1:54
